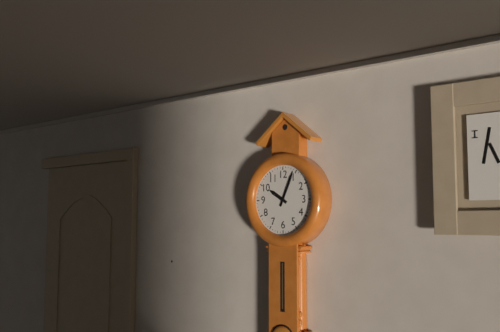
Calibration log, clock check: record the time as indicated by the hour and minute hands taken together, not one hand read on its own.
10:04
